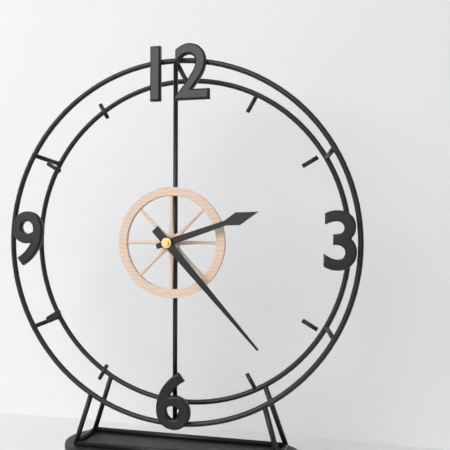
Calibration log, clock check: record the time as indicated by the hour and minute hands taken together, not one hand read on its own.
2:23
